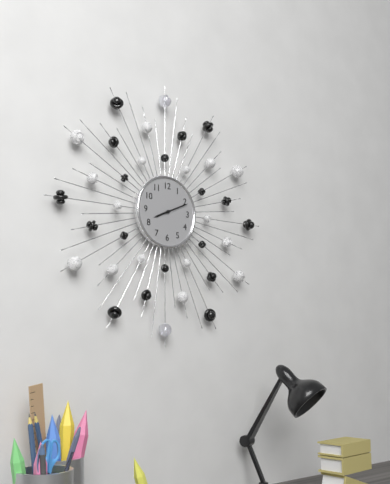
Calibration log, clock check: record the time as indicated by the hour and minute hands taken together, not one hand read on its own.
8:11
